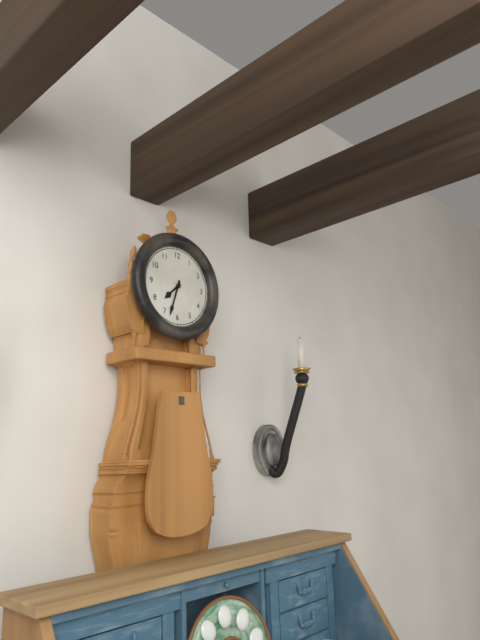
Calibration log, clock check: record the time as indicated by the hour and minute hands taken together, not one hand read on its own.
7:33
